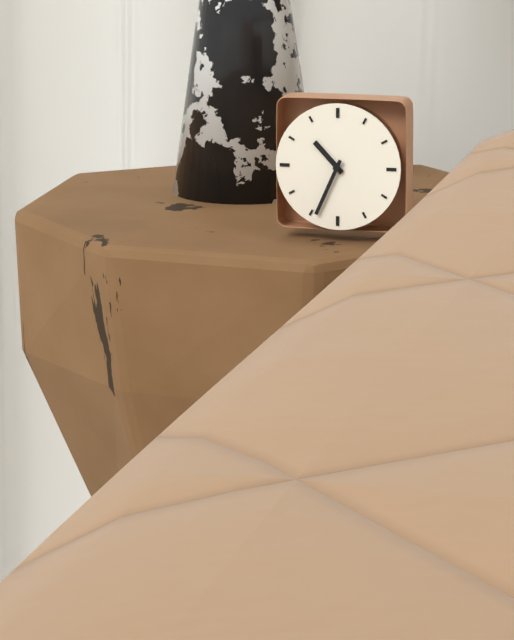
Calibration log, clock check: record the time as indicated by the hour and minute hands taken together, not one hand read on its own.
10:34
